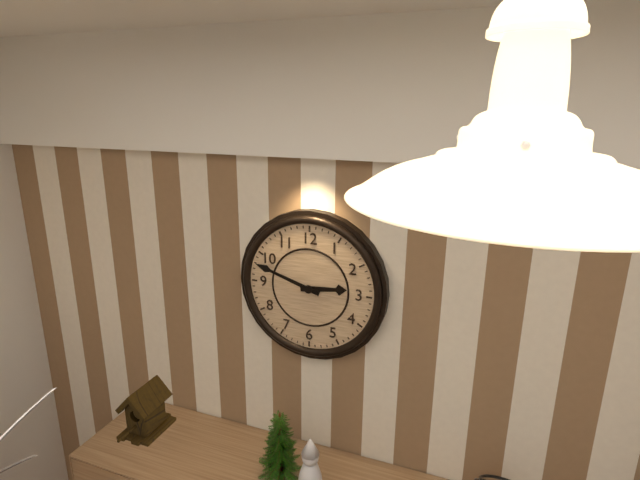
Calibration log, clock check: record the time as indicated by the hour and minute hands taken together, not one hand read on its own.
2:48
